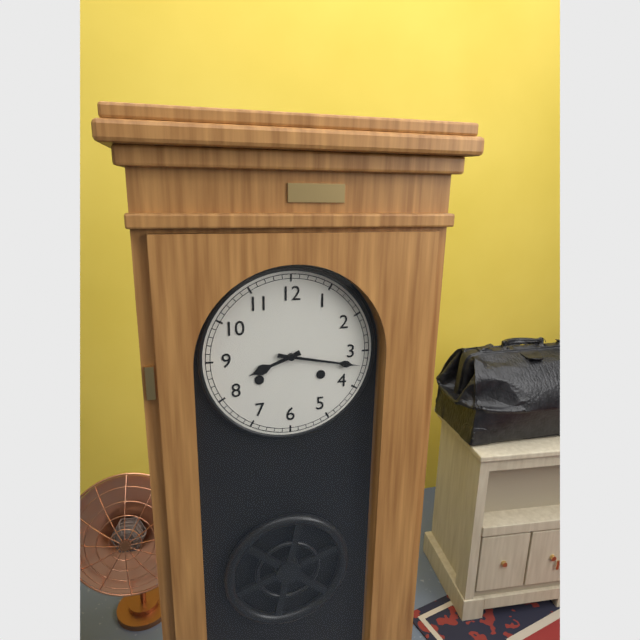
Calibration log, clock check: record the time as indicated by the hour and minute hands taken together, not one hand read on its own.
8:17
